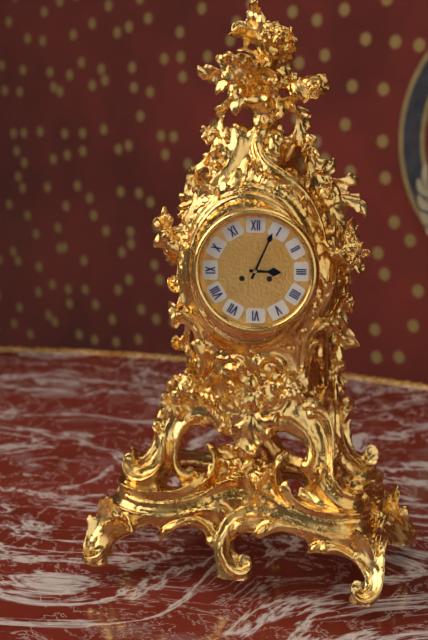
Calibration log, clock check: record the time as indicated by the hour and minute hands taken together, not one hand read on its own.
3:04
